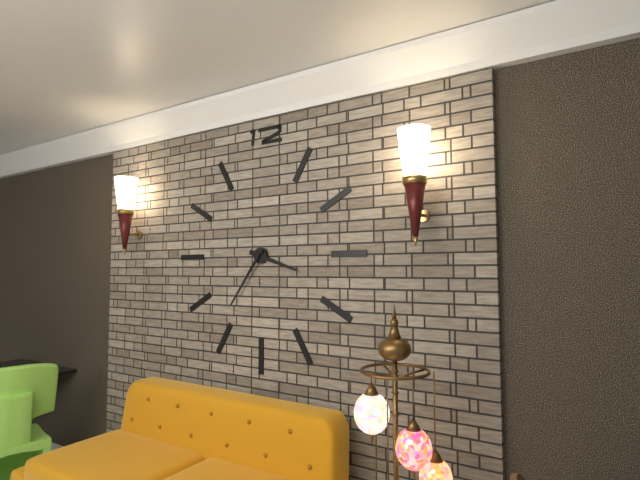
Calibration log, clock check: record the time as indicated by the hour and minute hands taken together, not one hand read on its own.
3:36
